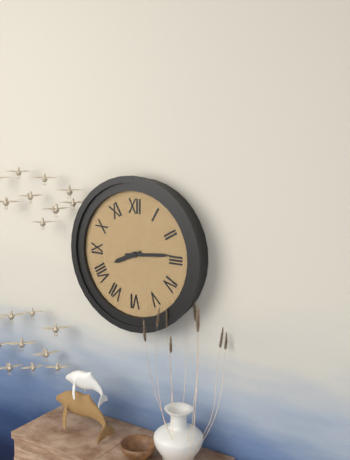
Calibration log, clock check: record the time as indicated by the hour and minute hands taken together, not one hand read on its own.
8:14
